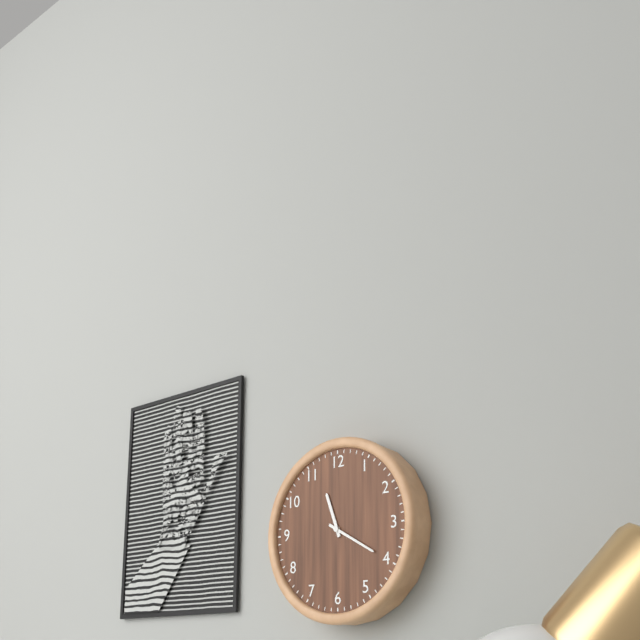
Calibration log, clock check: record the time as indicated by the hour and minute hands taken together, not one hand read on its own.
11:20
